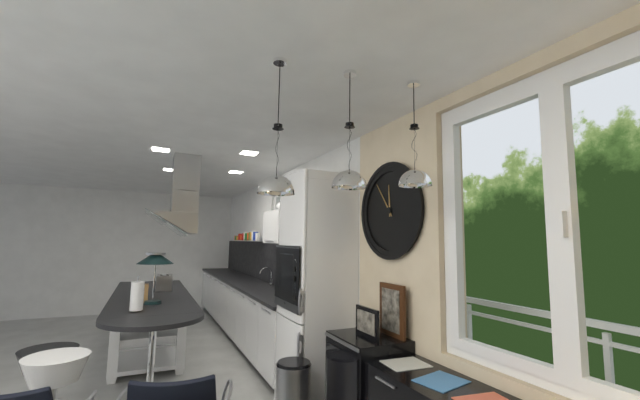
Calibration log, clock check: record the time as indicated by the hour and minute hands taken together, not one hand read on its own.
11:54
